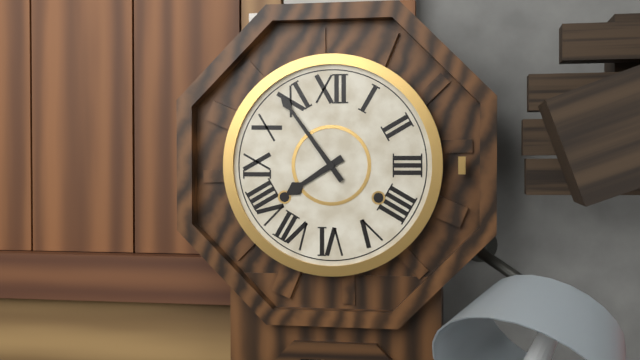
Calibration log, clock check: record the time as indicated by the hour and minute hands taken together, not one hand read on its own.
7:54
